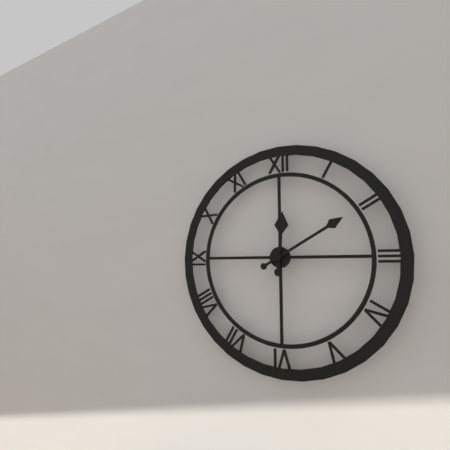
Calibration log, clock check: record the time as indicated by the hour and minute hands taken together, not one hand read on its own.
12:10
